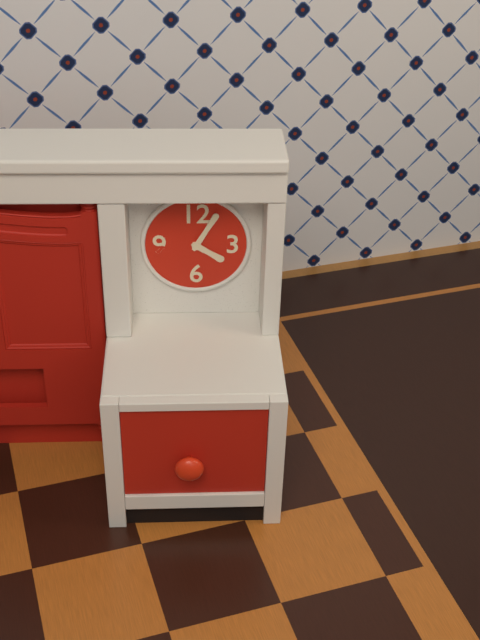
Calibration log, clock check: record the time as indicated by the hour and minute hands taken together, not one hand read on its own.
4:05
